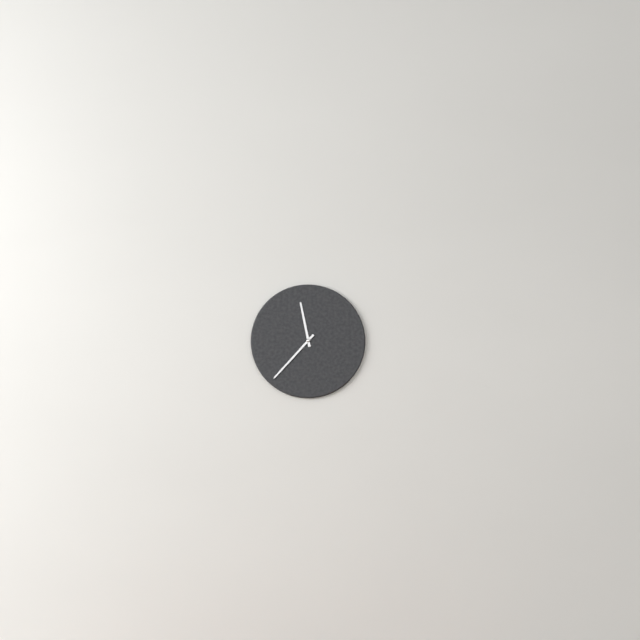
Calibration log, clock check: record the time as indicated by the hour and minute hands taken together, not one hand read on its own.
11:37
